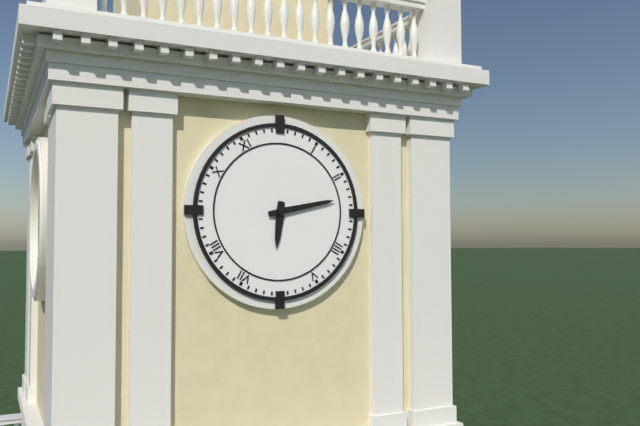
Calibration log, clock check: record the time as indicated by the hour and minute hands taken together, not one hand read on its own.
6:13
